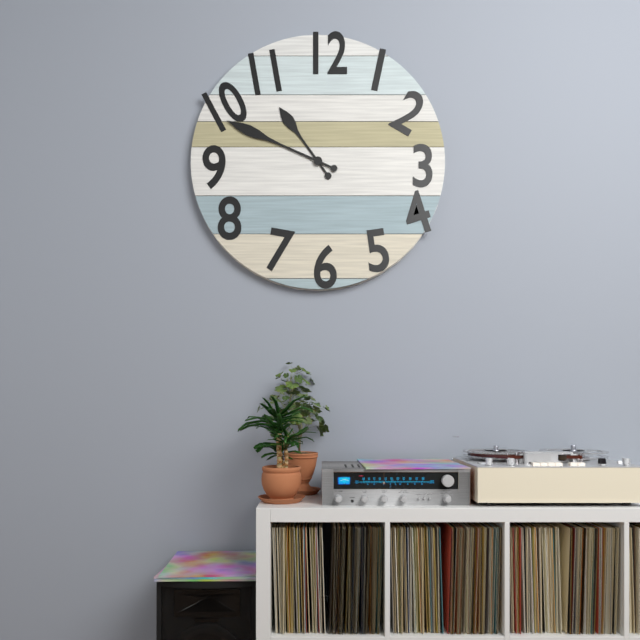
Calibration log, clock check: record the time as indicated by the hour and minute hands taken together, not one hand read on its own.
10:49
